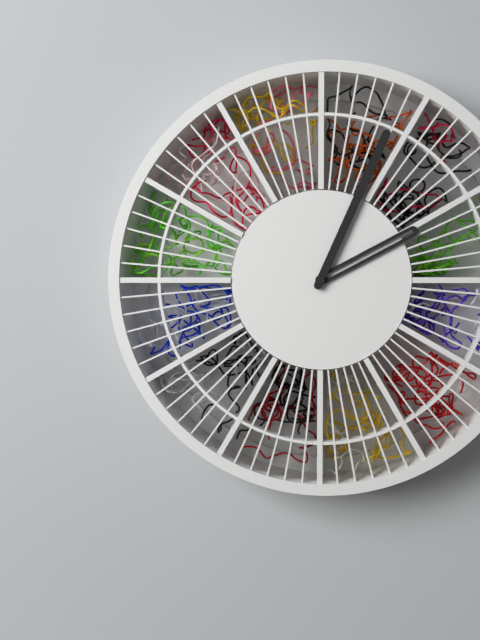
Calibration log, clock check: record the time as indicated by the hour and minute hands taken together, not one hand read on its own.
2:04
